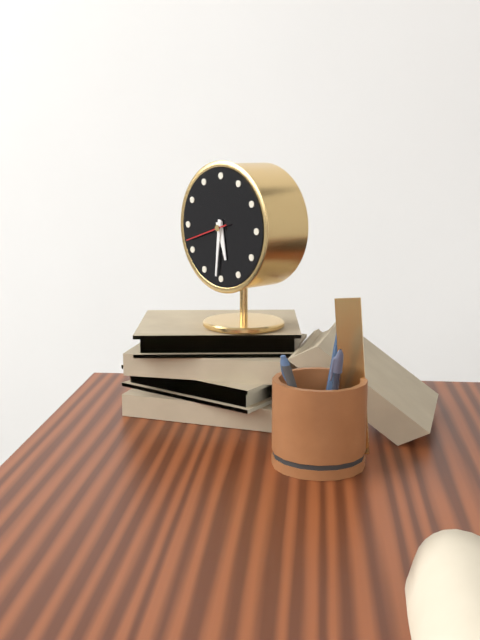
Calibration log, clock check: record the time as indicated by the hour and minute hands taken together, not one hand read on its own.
5:31
